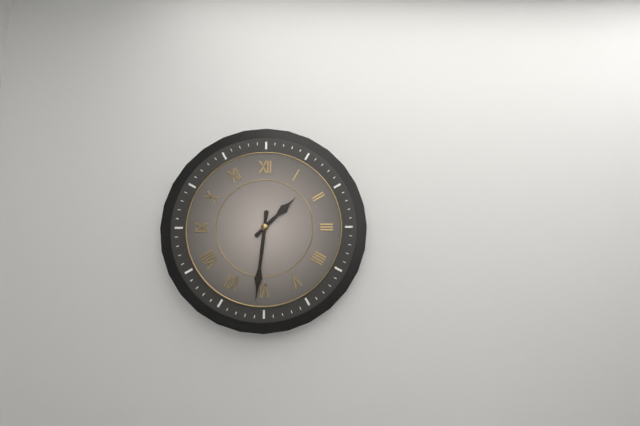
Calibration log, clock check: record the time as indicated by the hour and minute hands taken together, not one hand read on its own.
1:31
